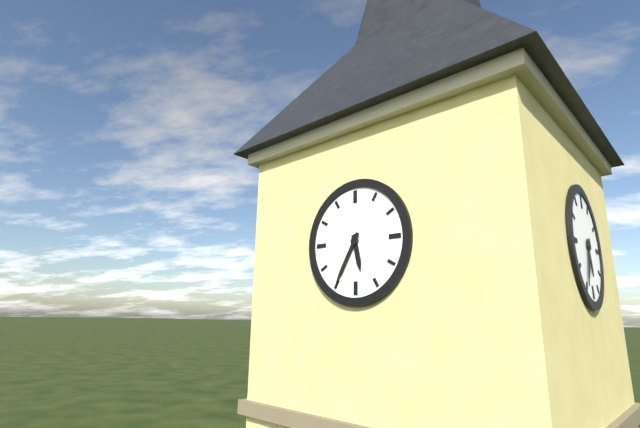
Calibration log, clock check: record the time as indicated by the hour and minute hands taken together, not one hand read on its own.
5:35
